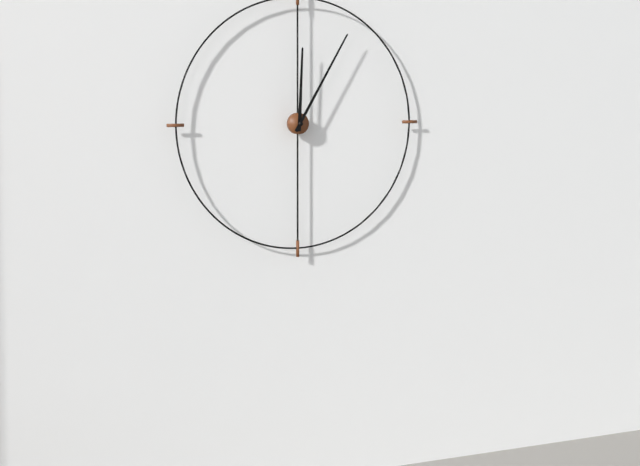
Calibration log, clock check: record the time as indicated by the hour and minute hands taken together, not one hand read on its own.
12:05
